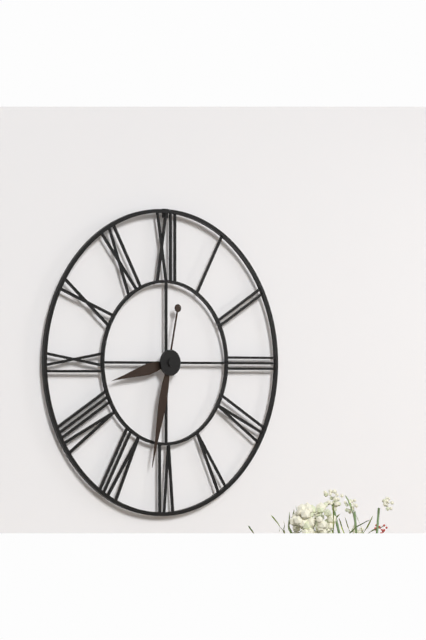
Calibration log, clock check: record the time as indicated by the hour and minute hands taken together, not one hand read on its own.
8:32
